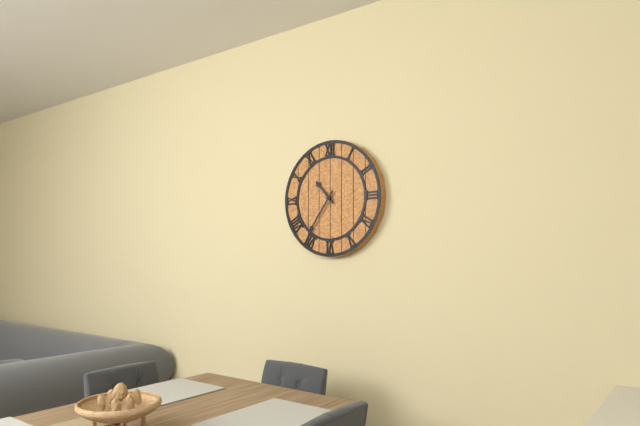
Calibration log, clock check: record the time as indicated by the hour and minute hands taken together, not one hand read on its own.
10:36
